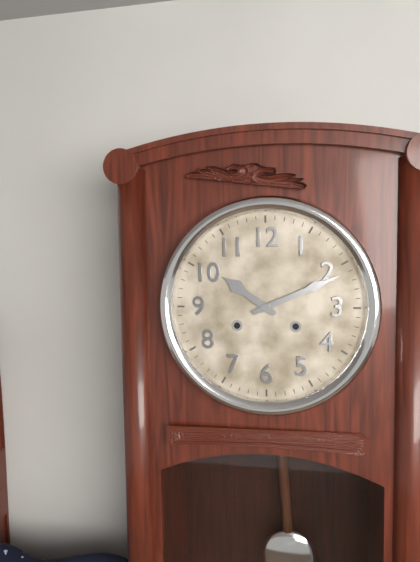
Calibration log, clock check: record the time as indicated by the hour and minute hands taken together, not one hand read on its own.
10:11
